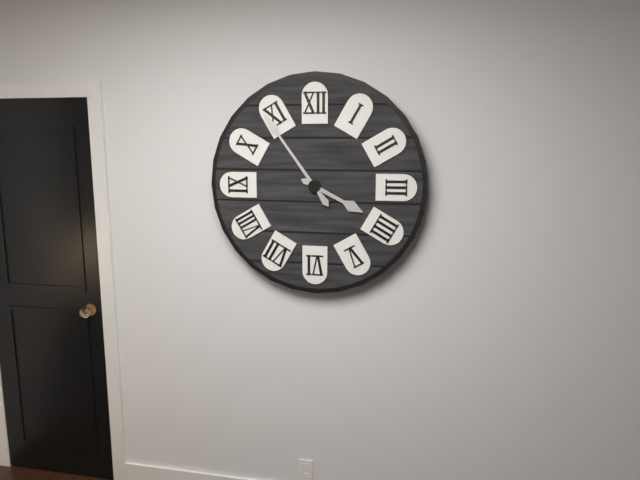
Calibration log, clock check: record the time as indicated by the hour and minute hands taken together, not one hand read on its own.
3:54
